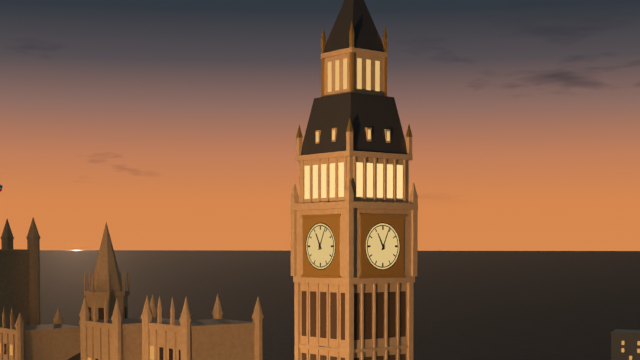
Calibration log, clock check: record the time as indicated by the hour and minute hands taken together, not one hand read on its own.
11:04
